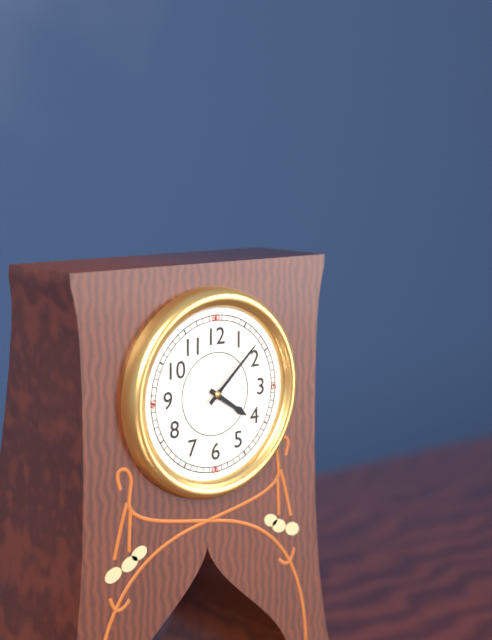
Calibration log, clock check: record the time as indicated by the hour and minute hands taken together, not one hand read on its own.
4:08
